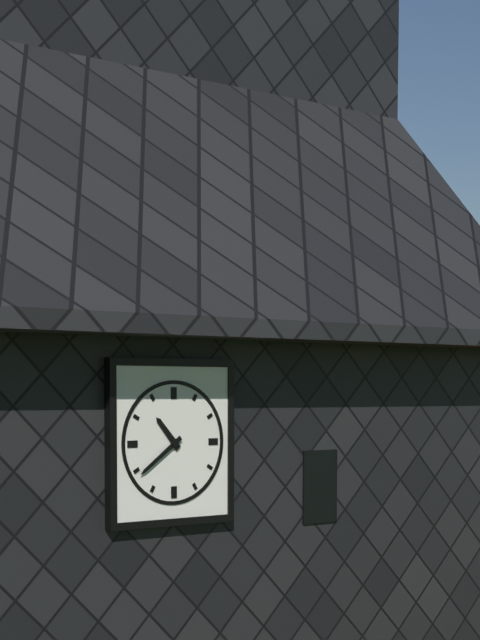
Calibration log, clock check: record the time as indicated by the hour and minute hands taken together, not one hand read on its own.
10:39
